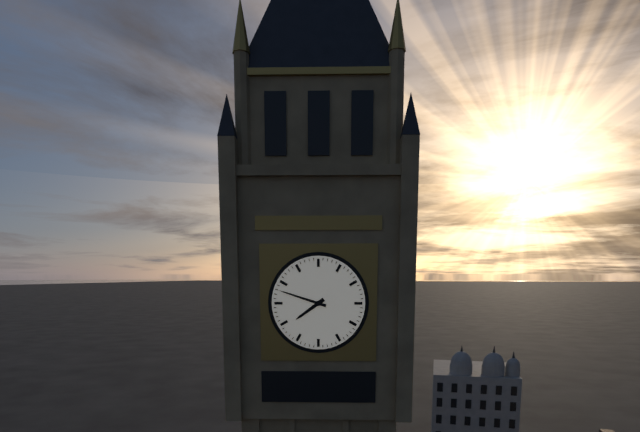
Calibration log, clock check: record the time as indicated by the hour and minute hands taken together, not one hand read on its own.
7:48
